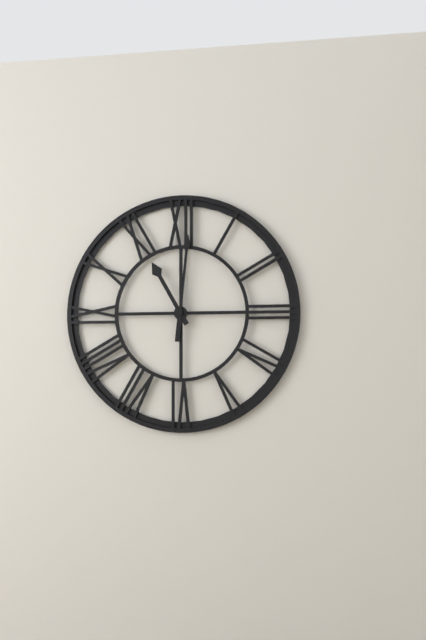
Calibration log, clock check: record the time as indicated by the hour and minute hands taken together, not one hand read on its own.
11:01
